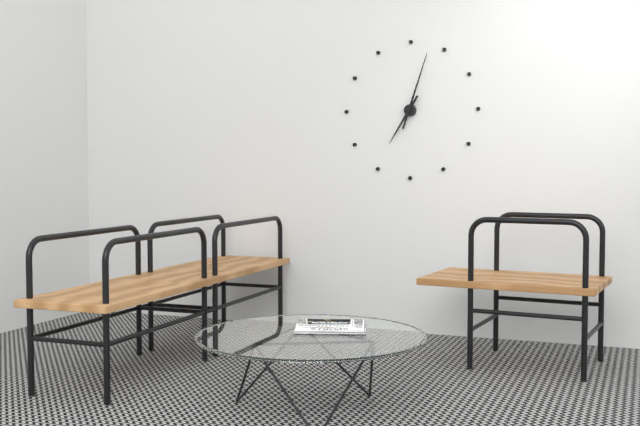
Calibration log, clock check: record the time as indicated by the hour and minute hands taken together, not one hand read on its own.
7:03
